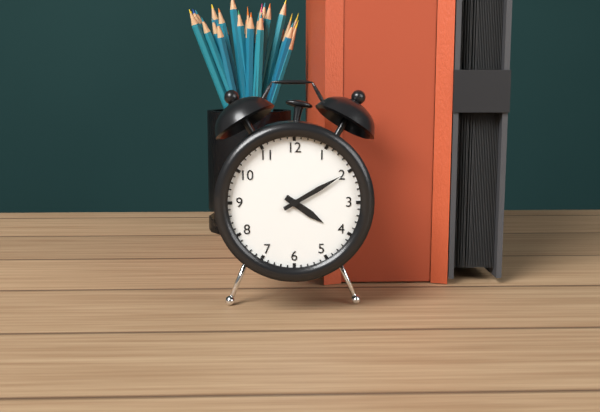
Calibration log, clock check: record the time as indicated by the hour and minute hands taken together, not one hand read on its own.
4:10
